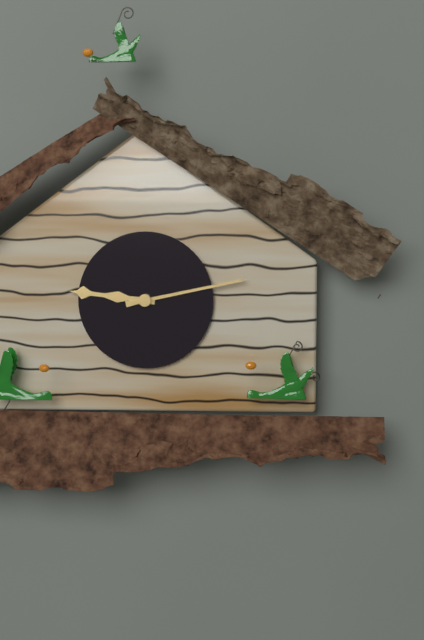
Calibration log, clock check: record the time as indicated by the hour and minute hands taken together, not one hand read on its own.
9:13
